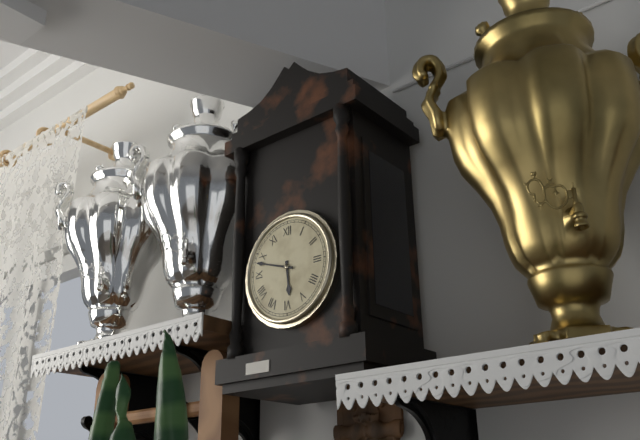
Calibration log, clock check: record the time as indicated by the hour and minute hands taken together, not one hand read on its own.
5:48
